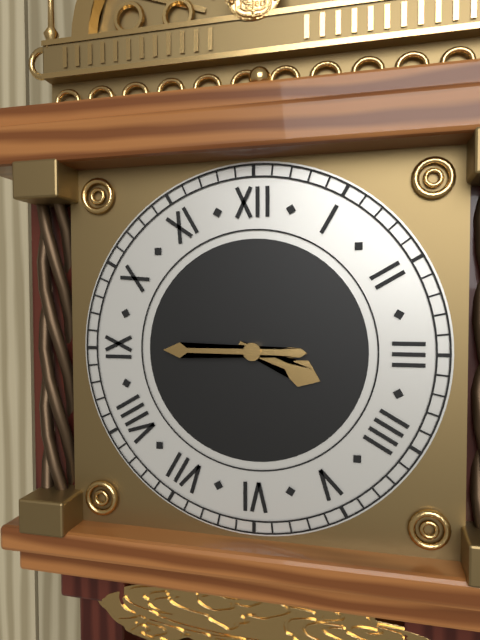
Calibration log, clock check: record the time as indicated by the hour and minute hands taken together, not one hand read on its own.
3:45
